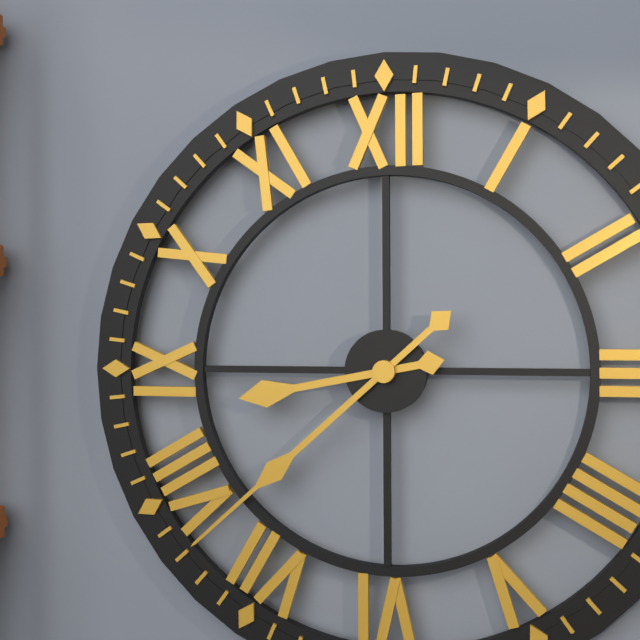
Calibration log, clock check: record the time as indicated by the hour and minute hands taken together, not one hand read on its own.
8:38
